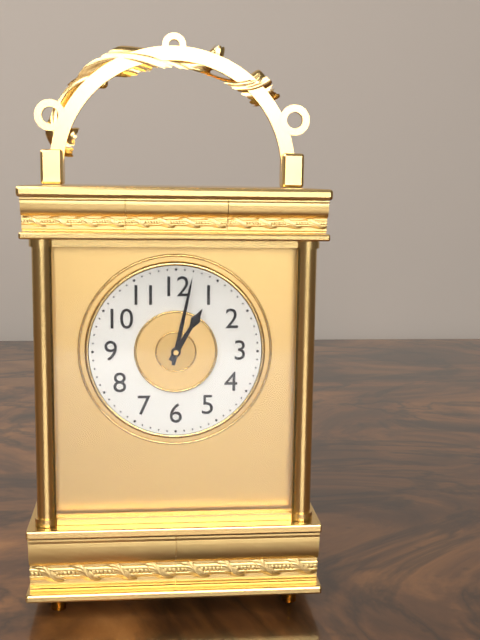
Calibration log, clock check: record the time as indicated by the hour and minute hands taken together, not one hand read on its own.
1:02
